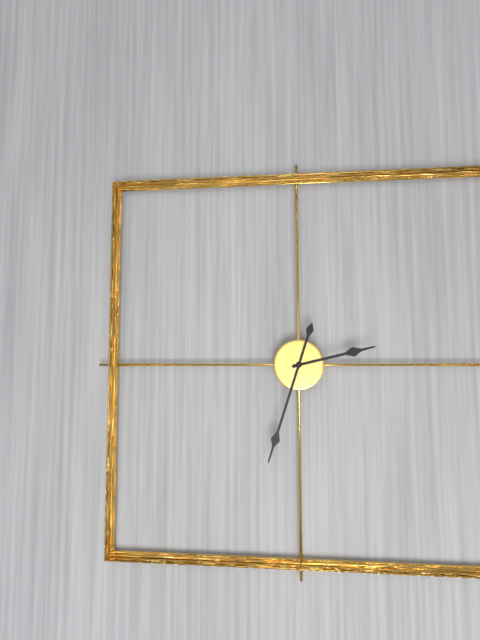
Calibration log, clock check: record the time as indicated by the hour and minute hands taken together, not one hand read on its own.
2:33
